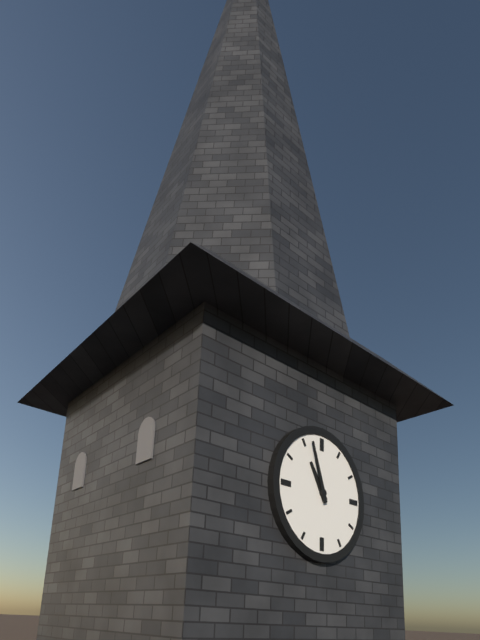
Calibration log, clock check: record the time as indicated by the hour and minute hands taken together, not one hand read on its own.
10:57
